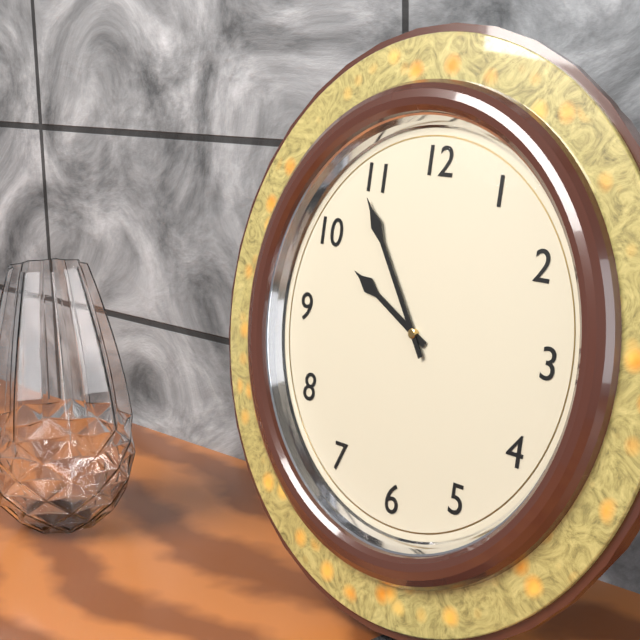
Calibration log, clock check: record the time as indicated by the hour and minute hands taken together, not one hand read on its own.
9:54
